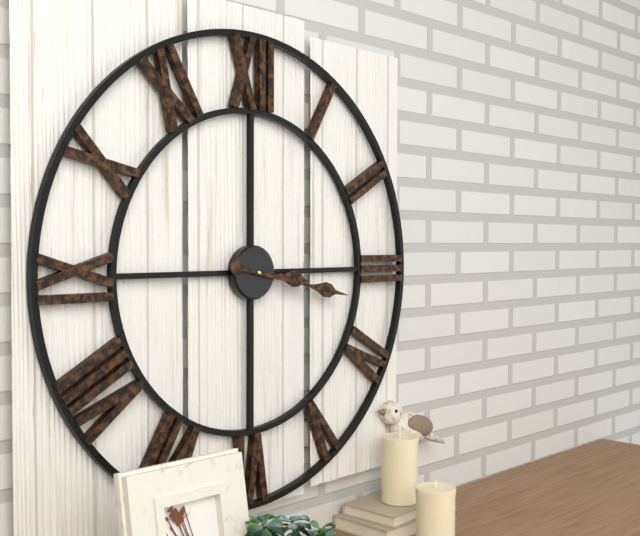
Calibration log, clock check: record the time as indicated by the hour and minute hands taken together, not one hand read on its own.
3:17
